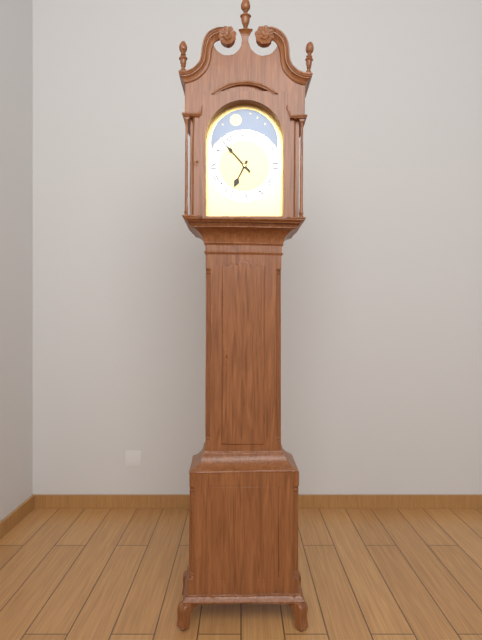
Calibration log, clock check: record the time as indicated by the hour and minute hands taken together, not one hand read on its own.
6:53
